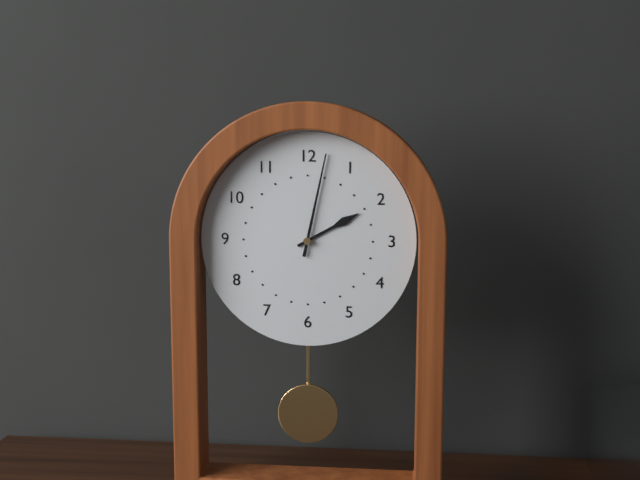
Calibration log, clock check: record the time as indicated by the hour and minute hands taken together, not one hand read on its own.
2:02
